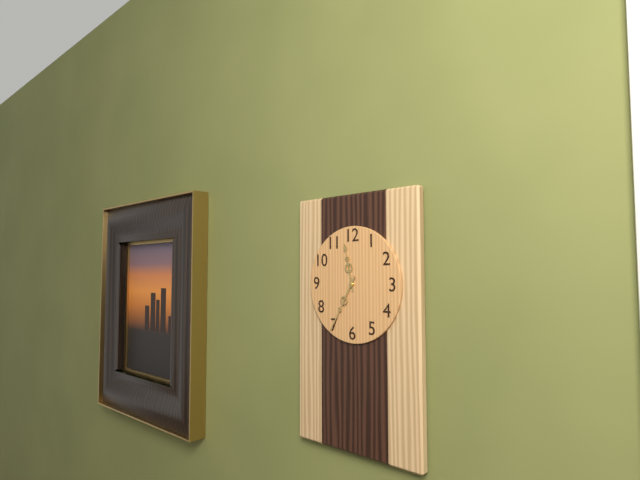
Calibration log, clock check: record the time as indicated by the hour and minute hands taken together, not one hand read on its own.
11:35
